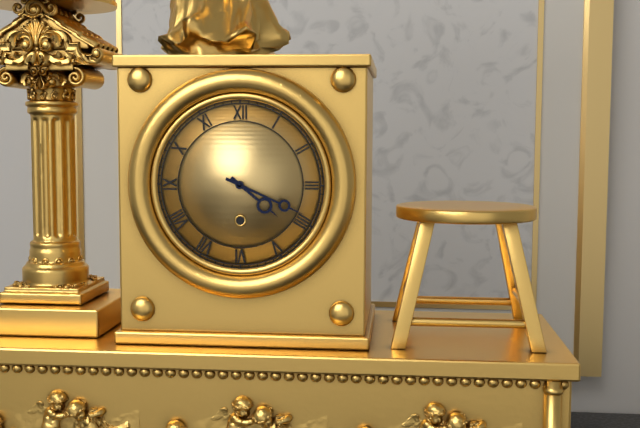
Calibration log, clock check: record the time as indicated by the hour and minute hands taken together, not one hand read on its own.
4:19
